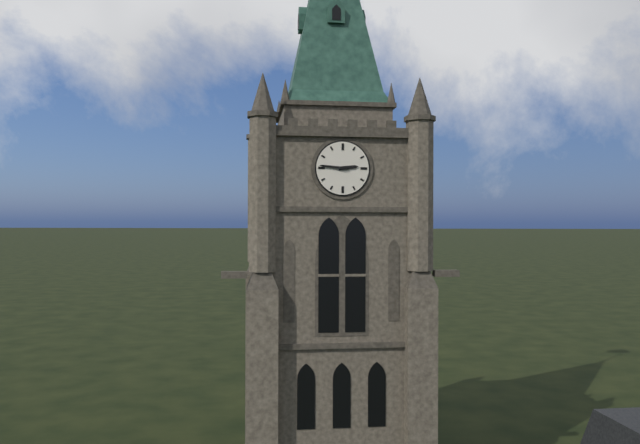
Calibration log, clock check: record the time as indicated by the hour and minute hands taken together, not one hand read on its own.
2:46
